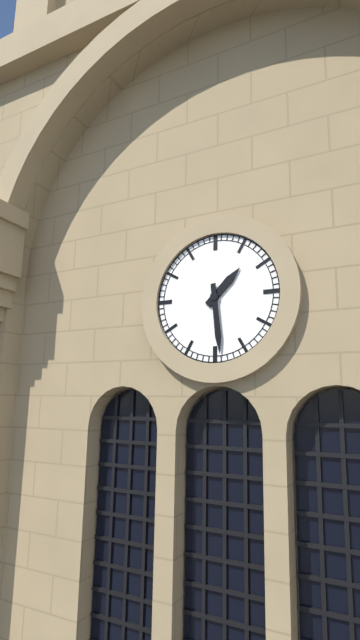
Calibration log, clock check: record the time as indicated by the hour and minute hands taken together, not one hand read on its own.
1:29
